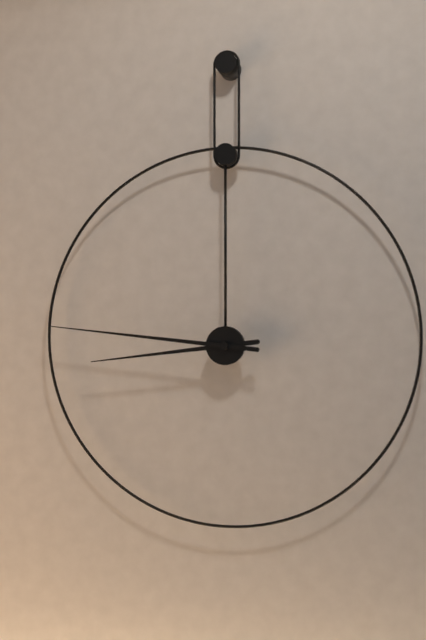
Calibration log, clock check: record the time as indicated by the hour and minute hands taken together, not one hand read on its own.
8:46
